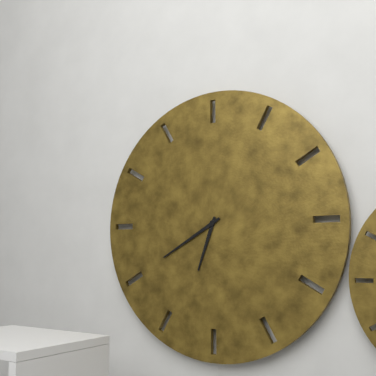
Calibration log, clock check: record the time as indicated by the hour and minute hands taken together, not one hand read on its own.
6:40
